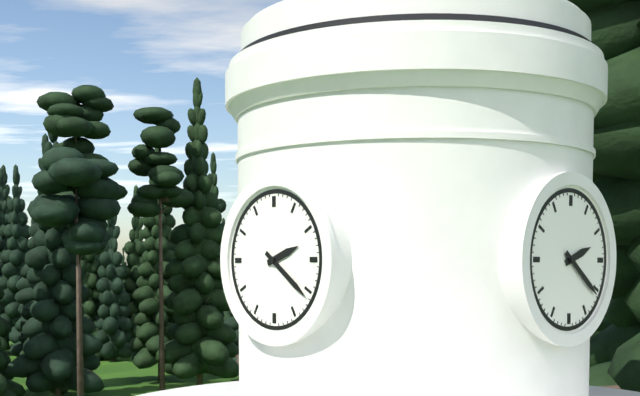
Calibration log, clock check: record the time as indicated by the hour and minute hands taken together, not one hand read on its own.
2:21
